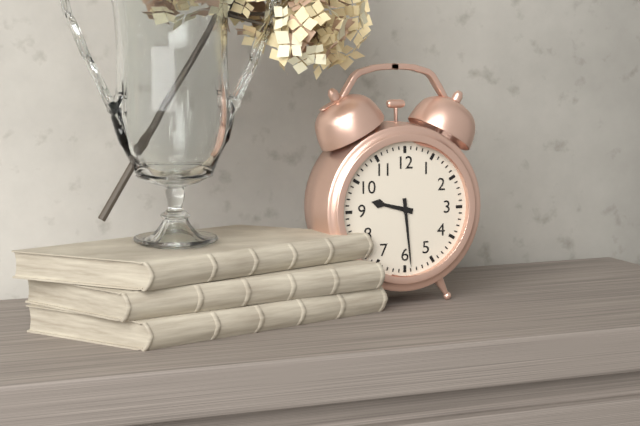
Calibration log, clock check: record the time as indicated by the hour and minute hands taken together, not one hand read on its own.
9:29
